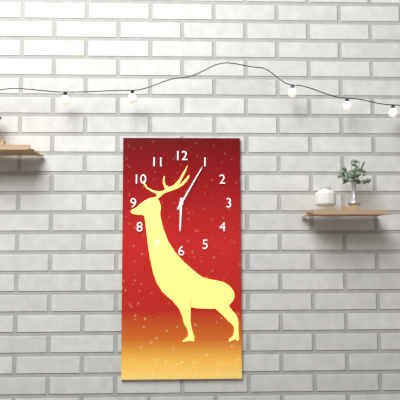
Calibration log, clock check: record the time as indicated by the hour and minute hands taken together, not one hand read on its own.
6:05
